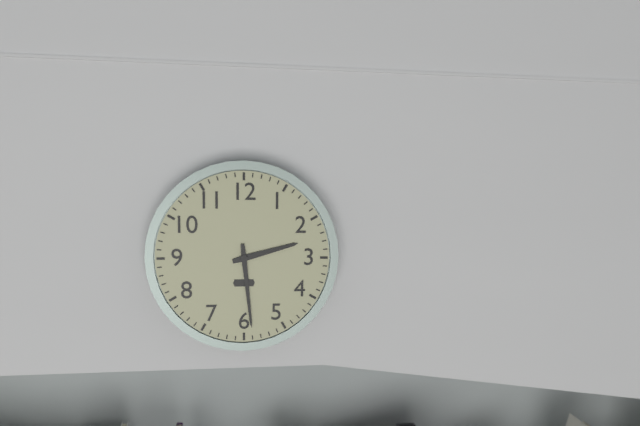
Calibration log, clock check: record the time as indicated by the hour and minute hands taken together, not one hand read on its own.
2:29
